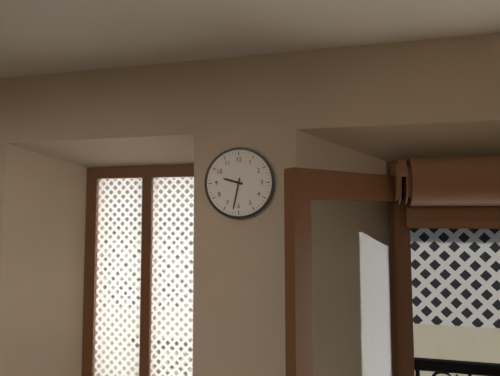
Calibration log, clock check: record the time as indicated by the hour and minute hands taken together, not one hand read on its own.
9:32
